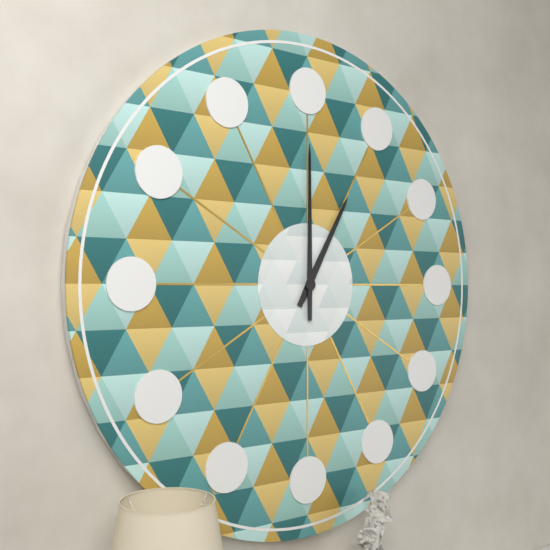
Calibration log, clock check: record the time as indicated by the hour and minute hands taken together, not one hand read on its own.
1:00
